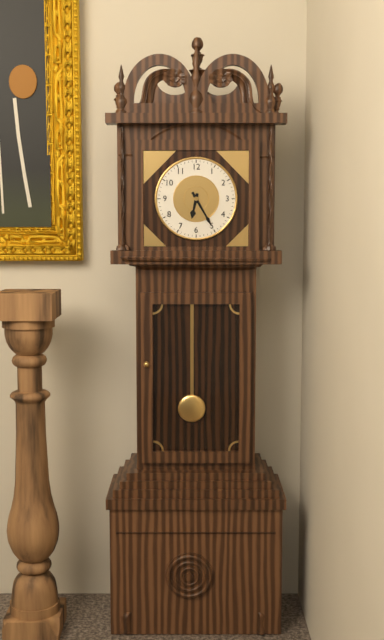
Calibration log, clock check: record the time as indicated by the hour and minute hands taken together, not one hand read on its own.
6:25
